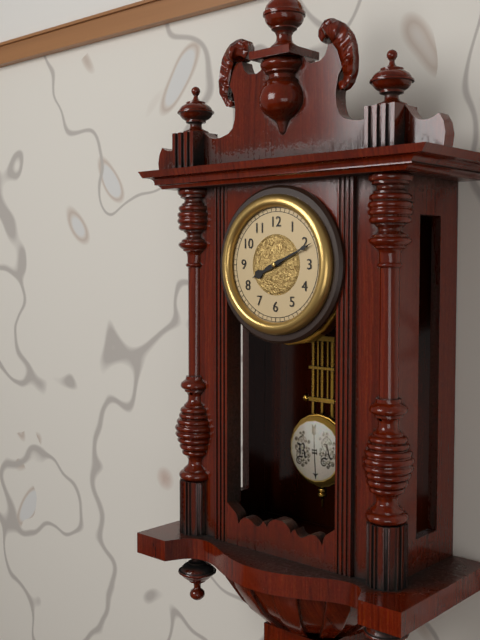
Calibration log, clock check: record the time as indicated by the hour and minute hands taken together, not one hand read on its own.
8:11
